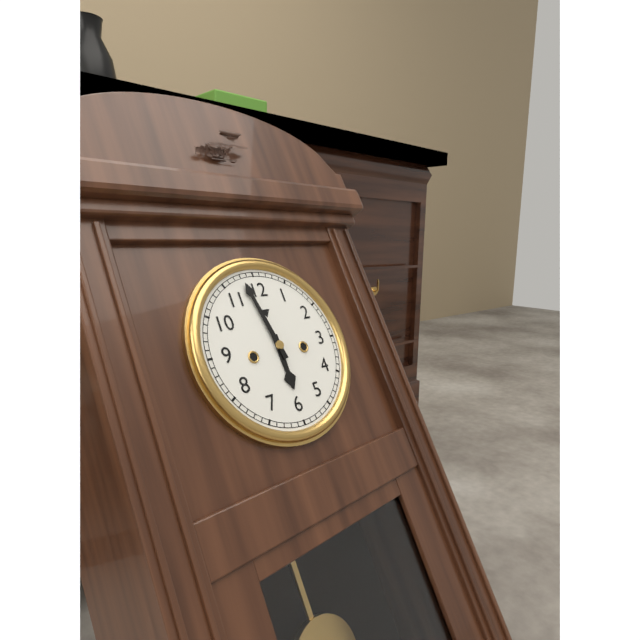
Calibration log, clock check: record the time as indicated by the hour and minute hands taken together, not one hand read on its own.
5:58
